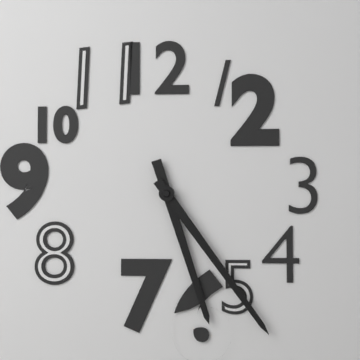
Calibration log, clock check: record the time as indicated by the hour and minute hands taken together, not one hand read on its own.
5:24
